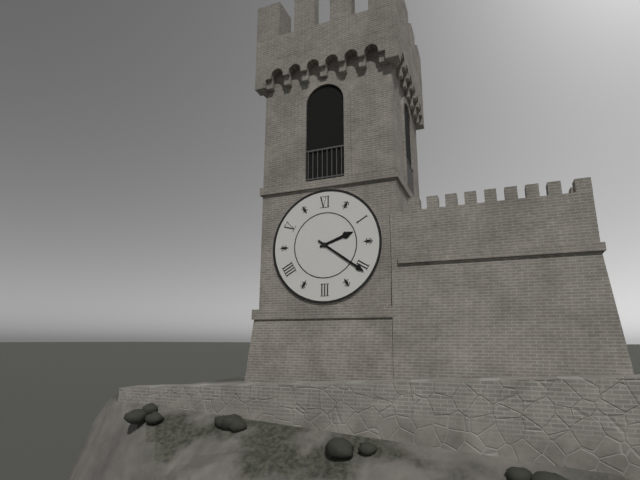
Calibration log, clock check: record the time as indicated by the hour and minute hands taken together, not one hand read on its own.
2:21
